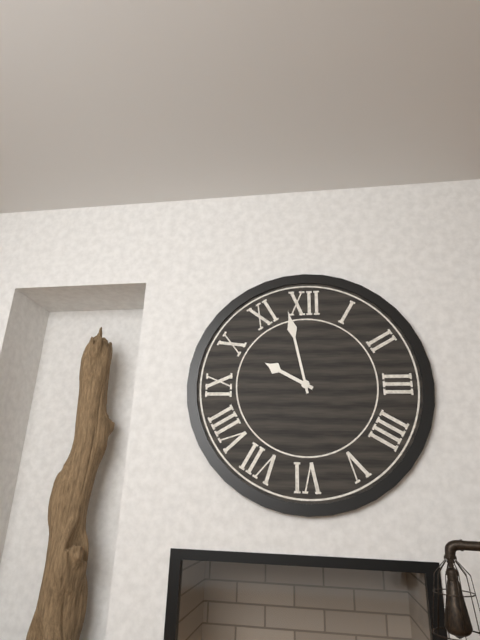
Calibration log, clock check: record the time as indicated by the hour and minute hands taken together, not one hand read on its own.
9:58
